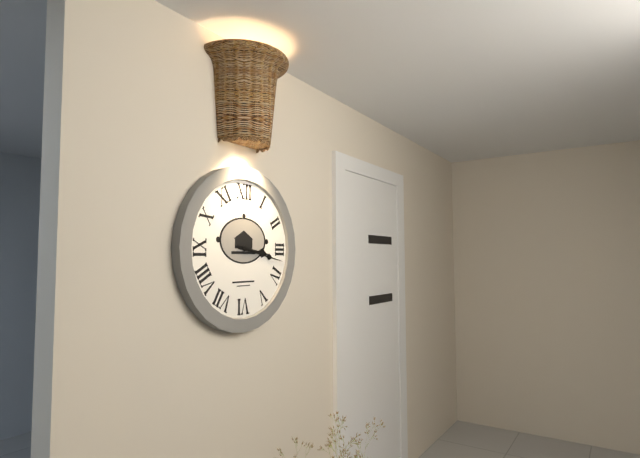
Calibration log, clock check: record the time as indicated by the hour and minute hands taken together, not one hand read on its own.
3:17
